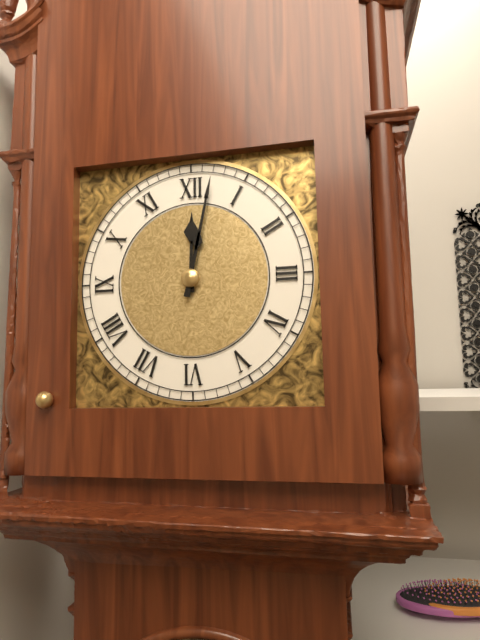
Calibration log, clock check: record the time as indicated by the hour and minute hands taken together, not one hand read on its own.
12:02
